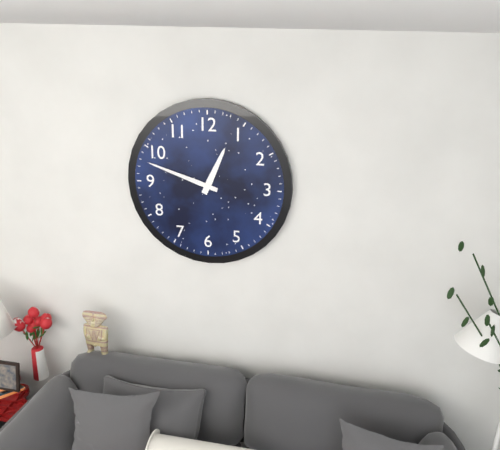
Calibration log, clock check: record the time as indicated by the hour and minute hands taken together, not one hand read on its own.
12:48
